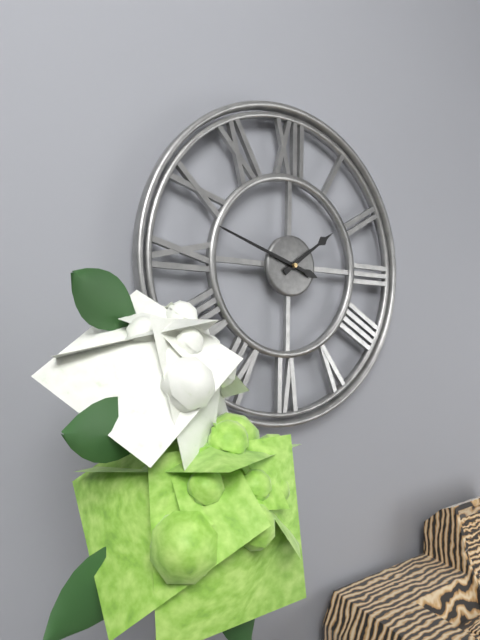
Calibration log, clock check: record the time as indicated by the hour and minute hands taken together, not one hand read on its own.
1:48
